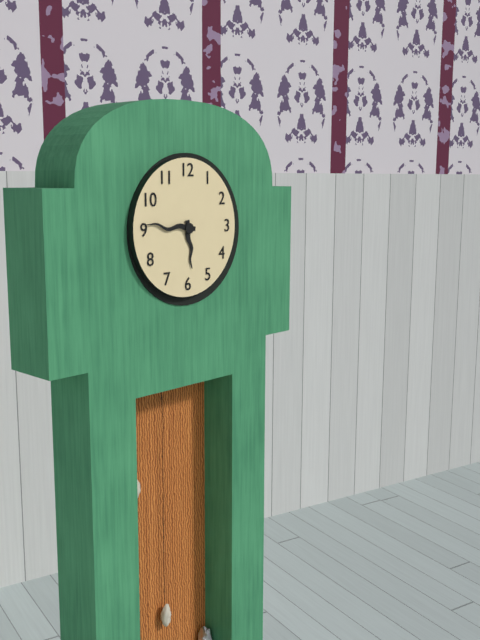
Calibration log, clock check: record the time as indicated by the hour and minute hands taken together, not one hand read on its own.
5:46
